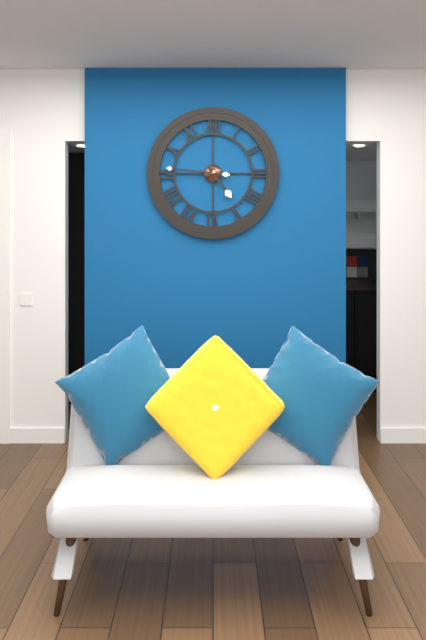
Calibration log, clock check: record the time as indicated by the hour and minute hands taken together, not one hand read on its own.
4:46
